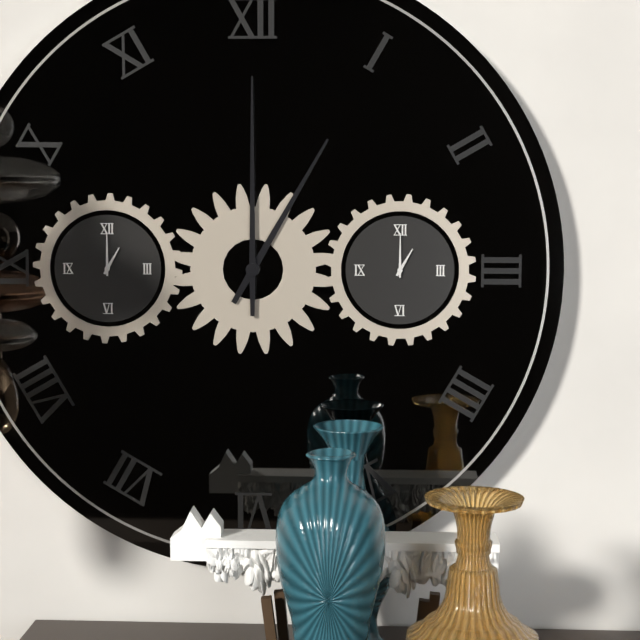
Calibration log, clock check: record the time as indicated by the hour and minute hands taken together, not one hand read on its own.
1:00
